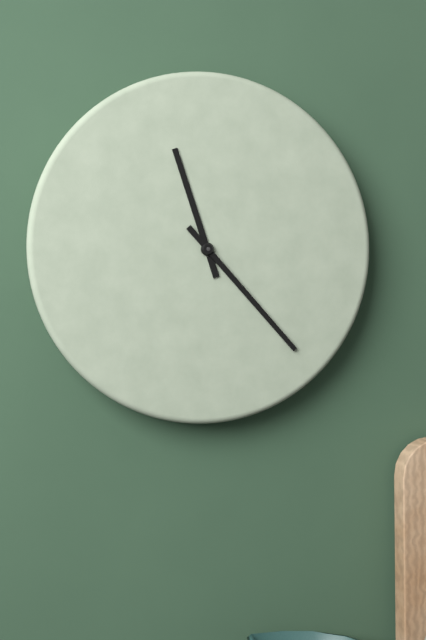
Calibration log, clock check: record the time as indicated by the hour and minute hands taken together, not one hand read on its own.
11:23
